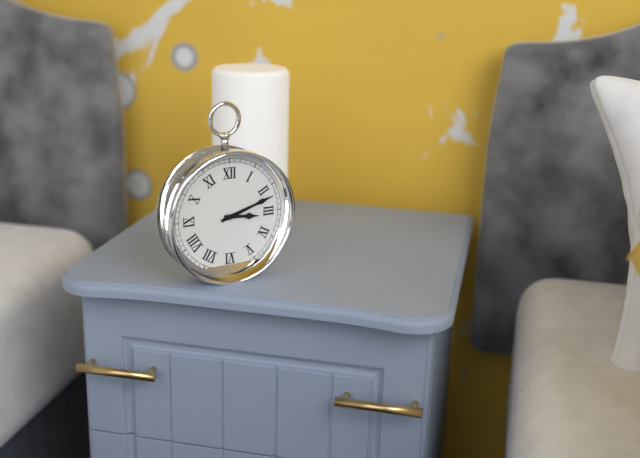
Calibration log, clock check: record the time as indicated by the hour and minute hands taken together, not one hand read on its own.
3:12
